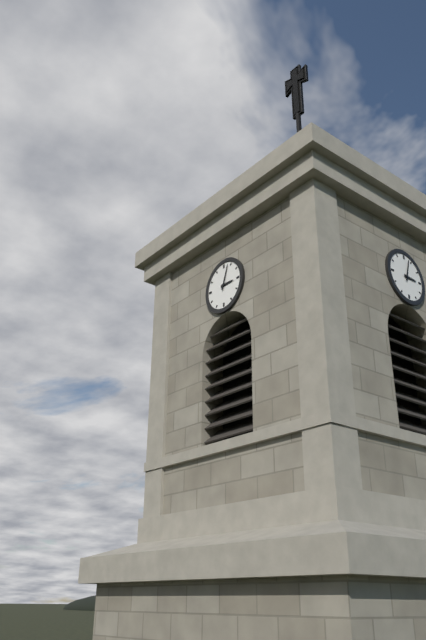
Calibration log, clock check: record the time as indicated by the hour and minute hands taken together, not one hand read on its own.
3:03
